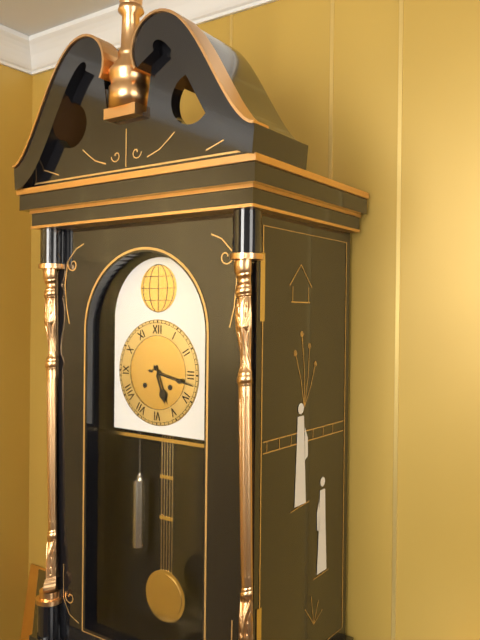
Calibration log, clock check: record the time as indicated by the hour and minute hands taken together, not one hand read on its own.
5:17
